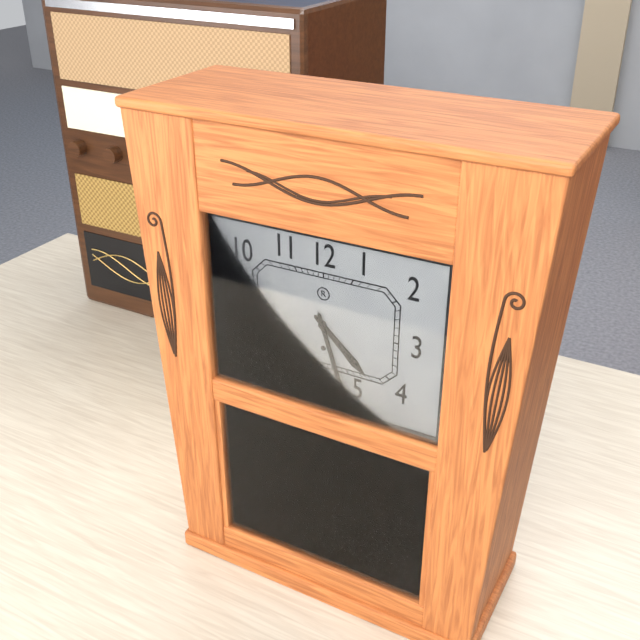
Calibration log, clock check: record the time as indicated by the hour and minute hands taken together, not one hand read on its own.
4:27
